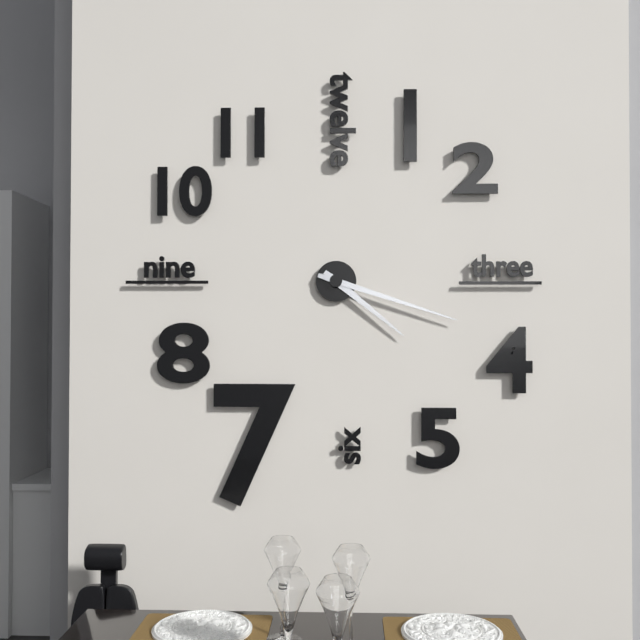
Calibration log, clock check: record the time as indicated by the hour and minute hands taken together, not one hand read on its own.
4:18
